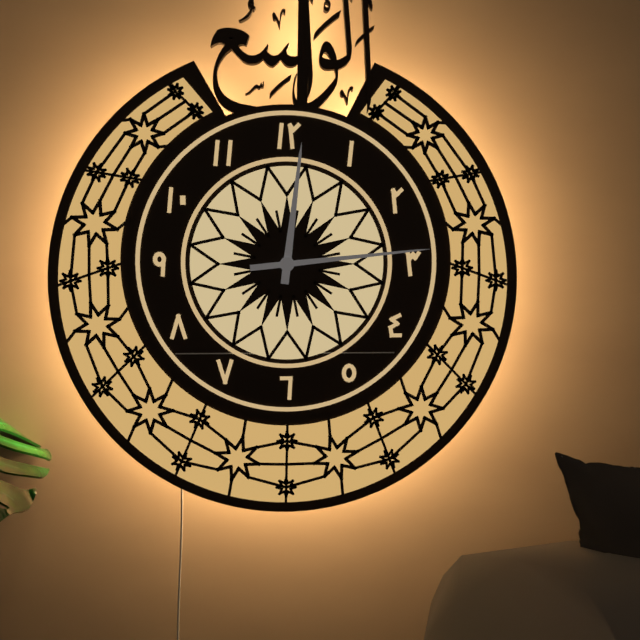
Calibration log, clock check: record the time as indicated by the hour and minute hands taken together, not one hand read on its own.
12:14
